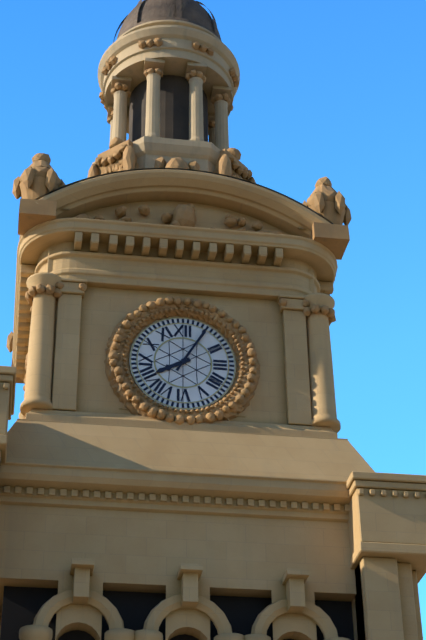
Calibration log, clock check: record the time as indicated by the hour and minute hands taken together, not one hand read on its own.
8:05
